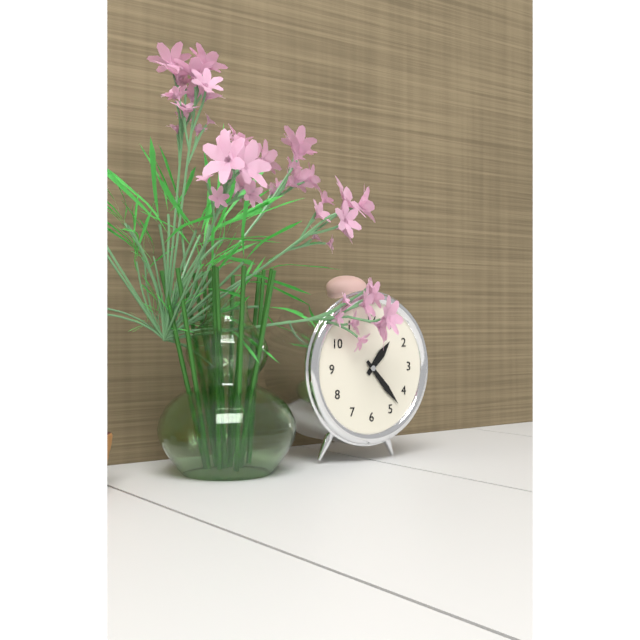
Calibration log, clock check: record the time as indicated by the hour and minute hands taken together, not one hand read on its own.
1:23
